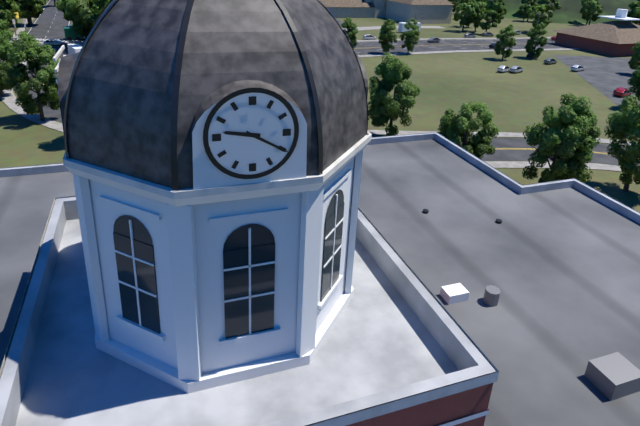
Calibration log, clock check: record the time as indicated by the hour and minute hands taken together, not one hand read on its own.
9:20
